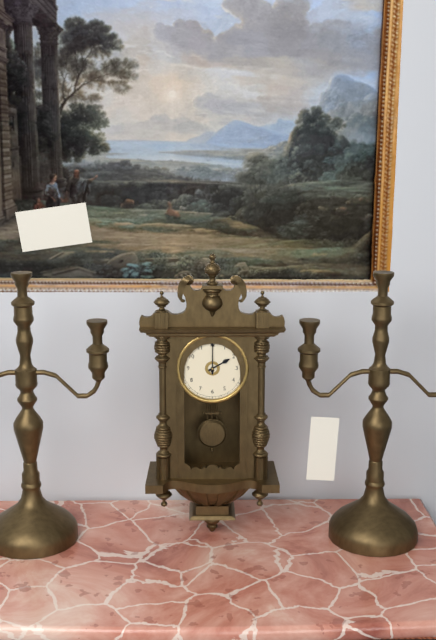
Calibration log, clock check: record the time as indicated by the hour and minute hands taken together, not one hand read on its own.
2:00
